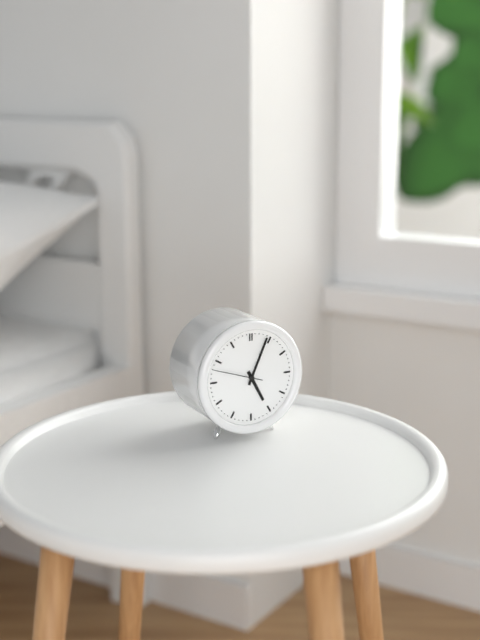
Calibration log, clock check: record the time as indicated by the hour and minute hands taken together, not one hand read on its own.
5:04
